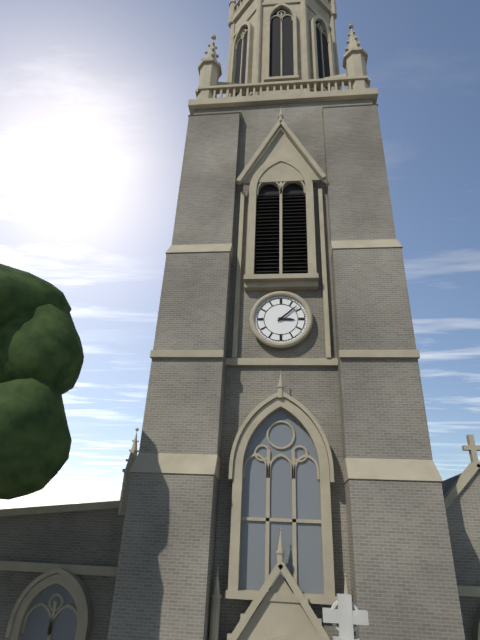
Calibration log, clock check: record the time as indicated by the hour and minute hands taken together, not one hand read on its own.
3:08
